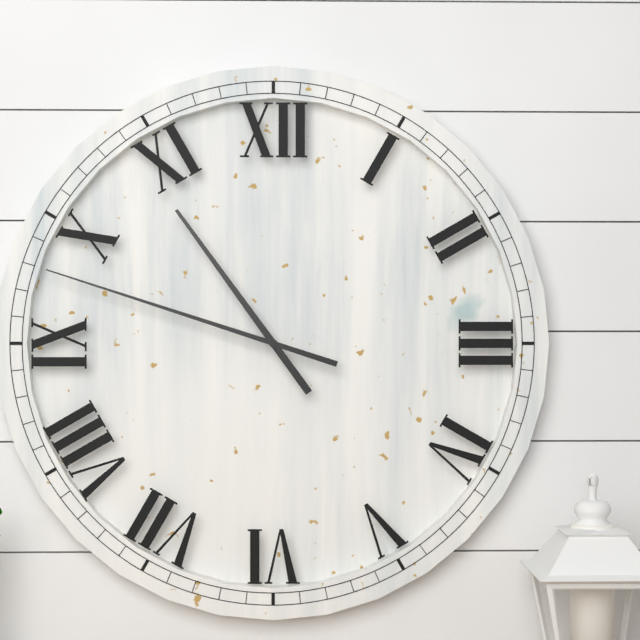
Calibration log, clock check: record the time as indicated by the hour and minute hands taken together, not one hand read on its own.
10:48
